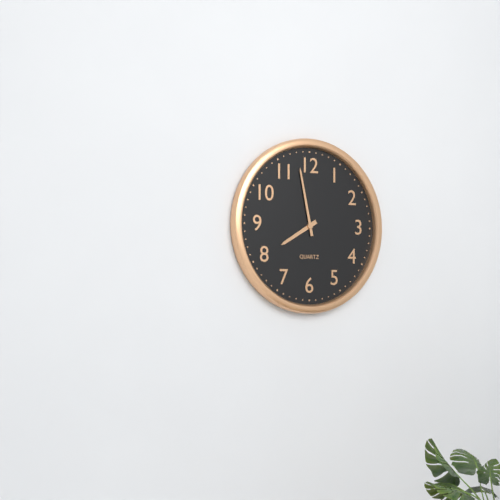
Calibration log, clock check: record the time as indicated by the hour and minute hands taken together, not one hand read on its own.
7:58
